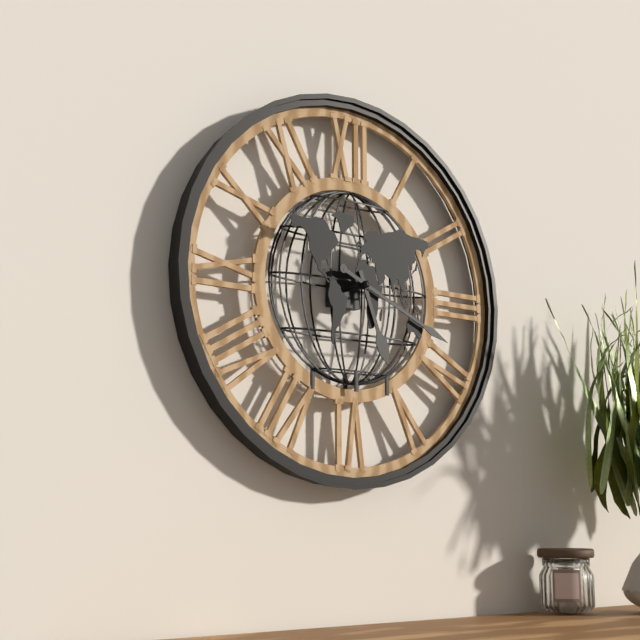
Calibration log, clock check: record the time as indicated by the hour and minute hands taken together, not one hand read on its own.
5:19
